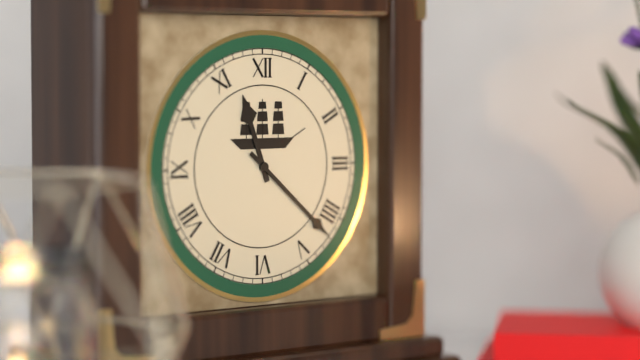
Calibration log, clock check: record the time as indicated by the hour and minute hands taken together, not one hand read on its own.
11:22
